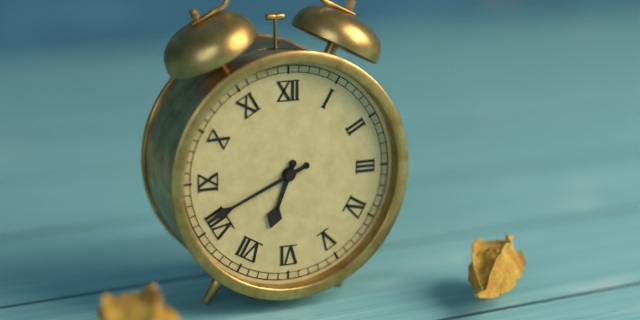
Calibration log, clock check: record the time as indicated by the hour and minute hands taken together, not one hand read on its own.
6:41
